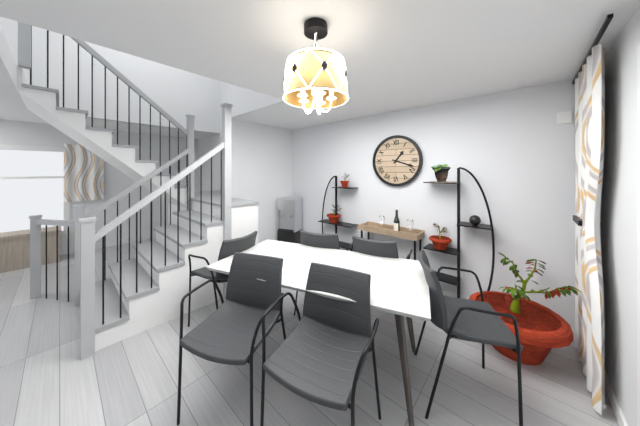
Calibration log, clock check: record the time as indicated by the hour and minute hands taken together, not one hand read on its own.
1:18
